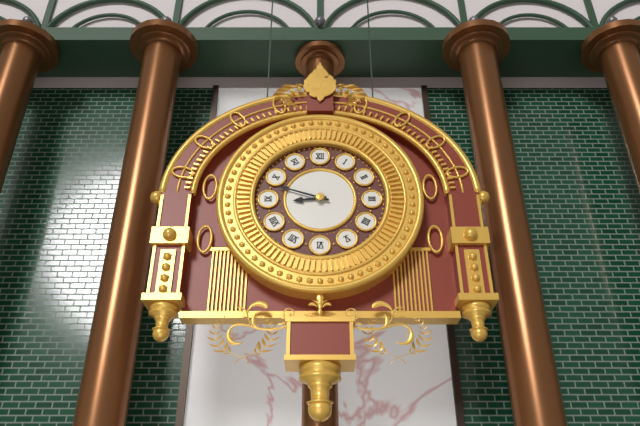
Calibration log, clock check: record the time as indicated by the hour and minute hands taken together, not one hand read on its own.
8:48
